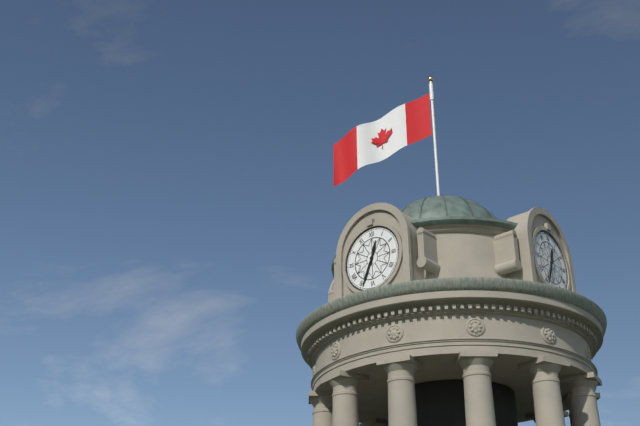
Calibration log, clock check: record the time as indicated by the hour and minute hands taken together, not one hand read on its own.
12:34
